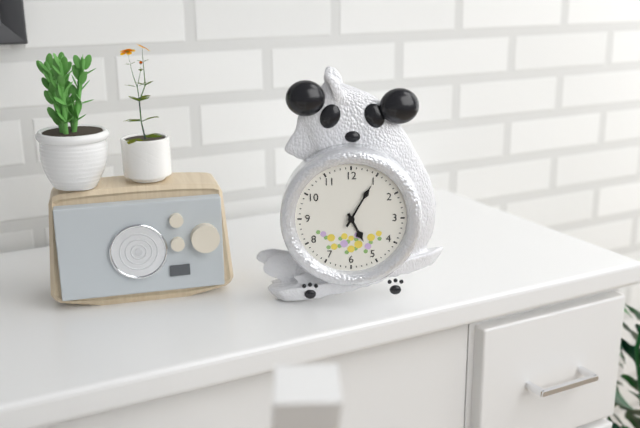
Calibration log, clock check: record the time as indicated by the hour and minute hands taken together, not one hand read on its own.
5:05
